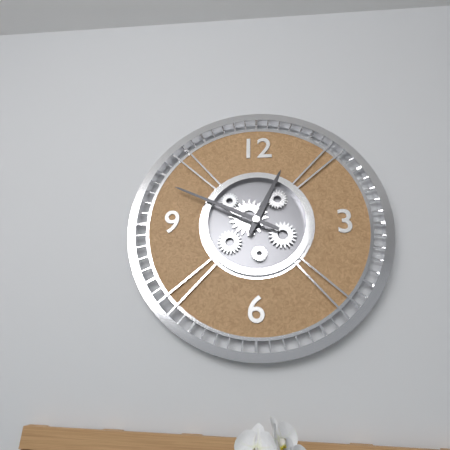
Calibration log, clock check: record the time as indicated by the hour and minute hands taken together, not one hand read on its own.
12:49
